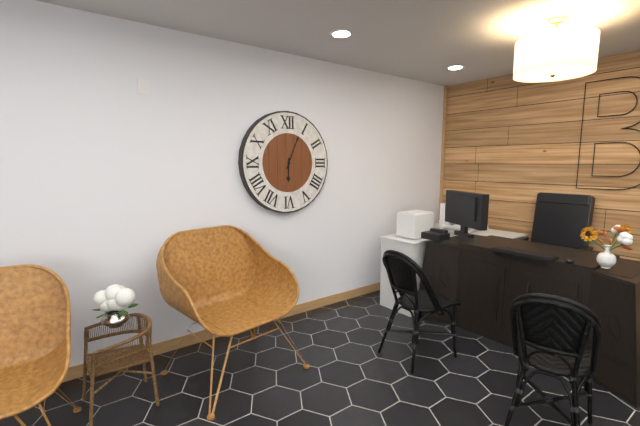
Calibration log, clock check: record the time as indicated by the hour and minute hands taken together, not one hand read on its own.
6:04
